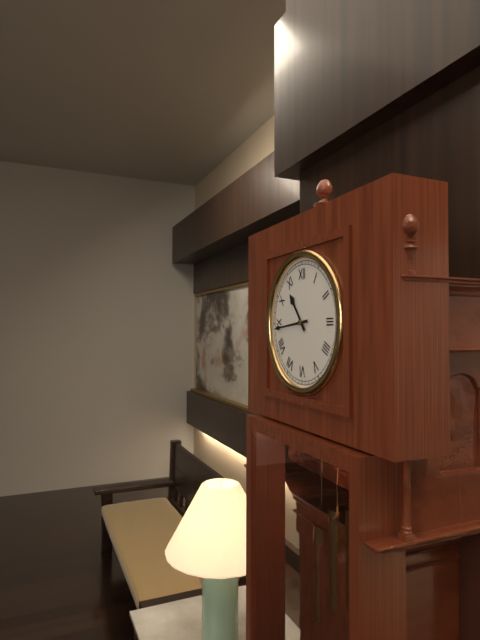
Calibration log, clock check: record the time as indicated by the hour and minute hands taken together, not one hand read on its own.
10:44
